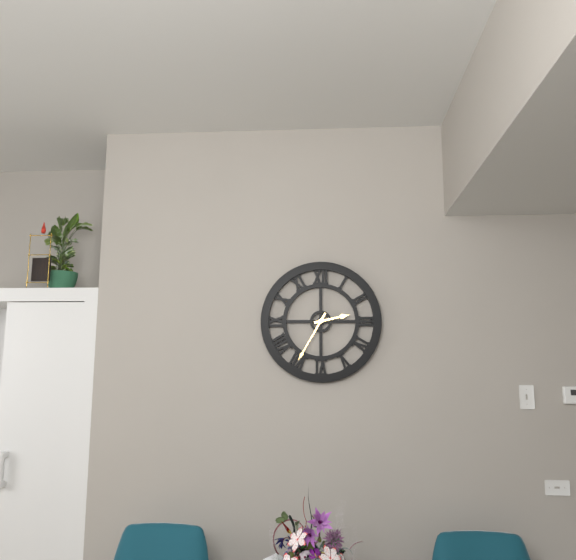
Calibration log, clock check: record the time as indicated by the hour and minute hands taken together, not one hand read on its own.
2:35
